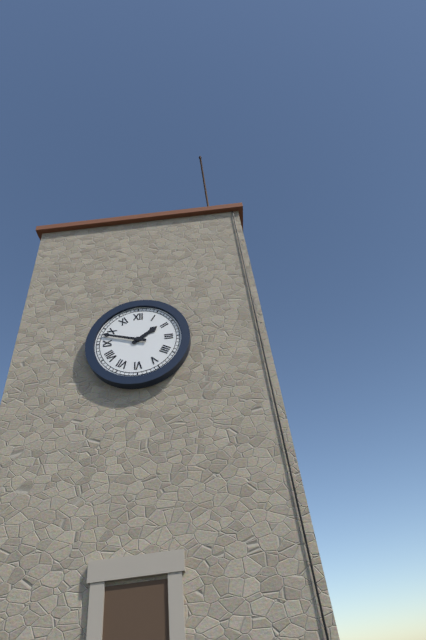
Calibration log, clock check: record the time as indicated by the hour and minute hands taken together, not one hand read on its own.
1:48
